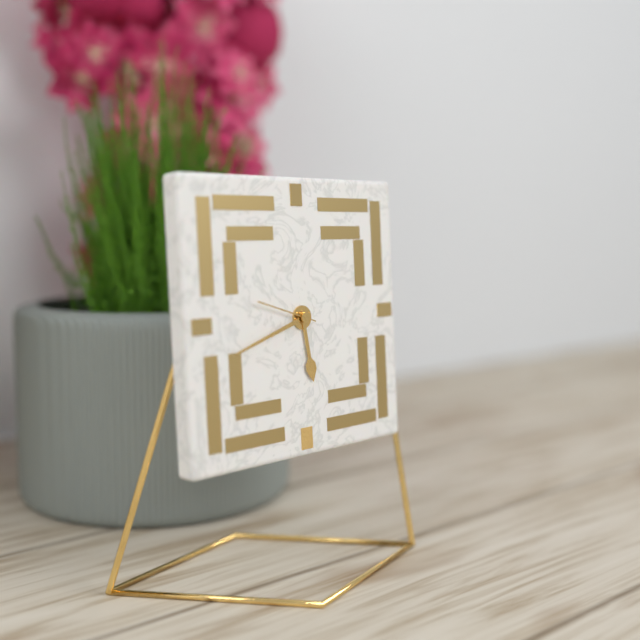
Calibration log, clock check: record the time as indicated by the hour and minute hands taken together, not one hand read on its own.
5:42
